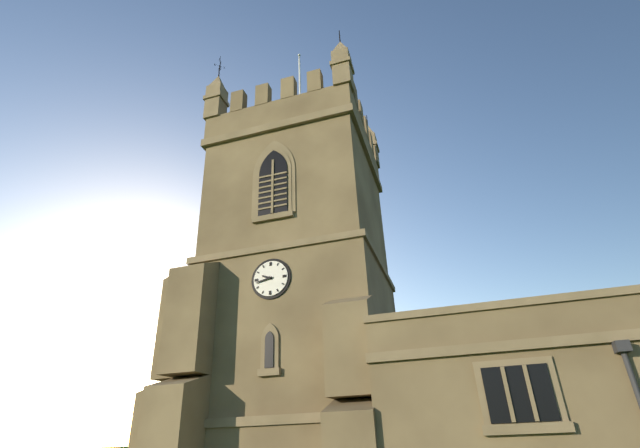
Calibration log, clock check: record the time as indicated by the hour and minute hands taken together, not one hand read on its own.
9:43
